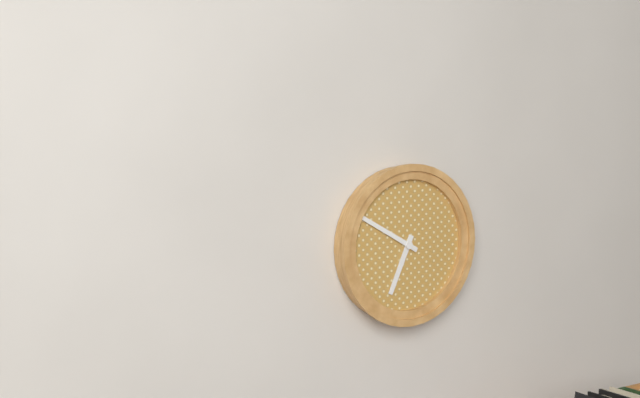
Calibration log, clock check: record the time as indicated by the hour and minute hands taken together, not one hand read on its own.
6:50
